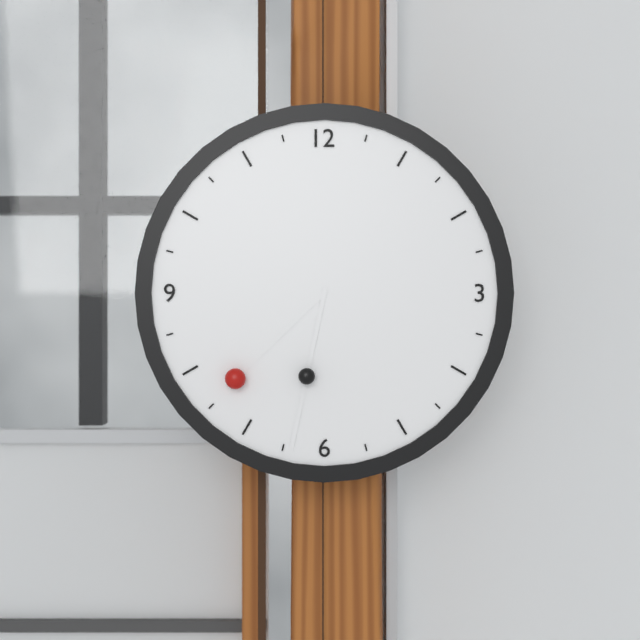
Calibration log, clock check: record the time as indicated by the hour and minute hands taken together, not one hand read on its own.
7:32
